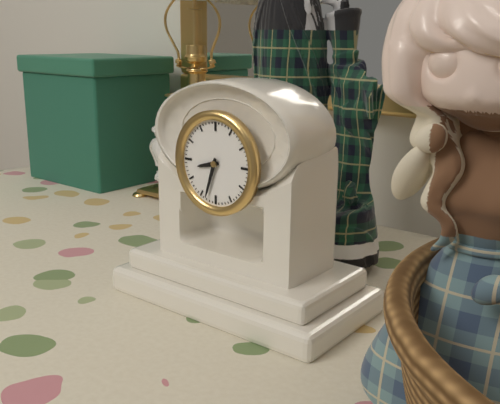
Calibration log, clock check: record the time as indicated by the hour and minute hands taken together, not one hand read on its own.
8:33
